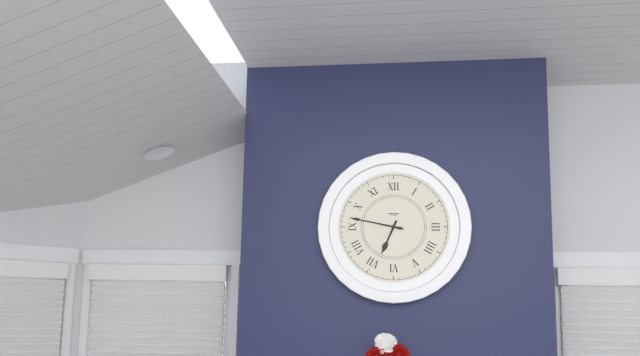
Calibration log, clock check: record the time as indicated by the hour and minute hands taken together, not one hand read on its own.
6:47
